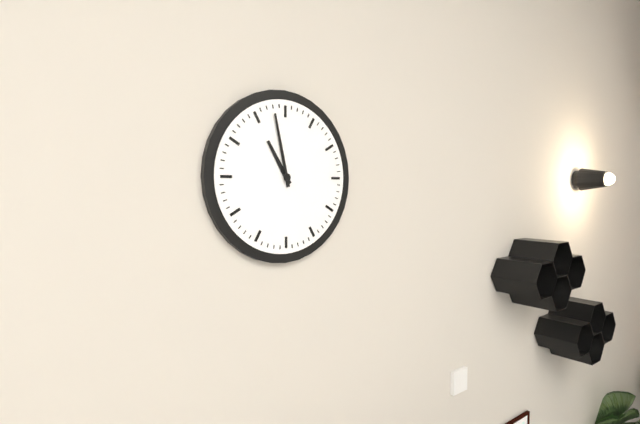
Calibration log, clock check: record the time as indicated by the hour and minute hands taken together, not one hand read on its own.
10:58
